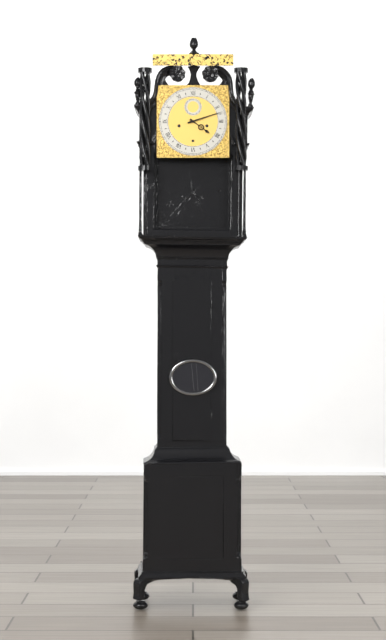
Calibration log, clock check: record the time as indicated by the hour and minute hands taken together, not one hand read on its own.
4:12
